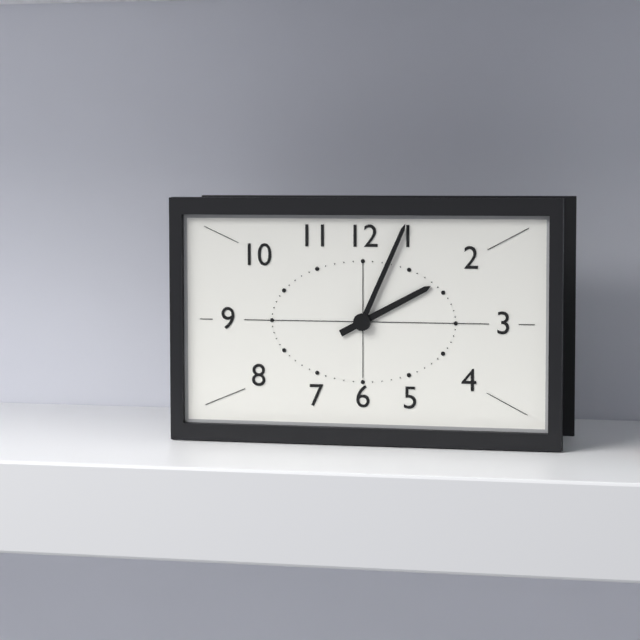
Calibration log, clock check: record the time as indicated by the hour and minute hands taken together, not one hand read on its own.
2:04
